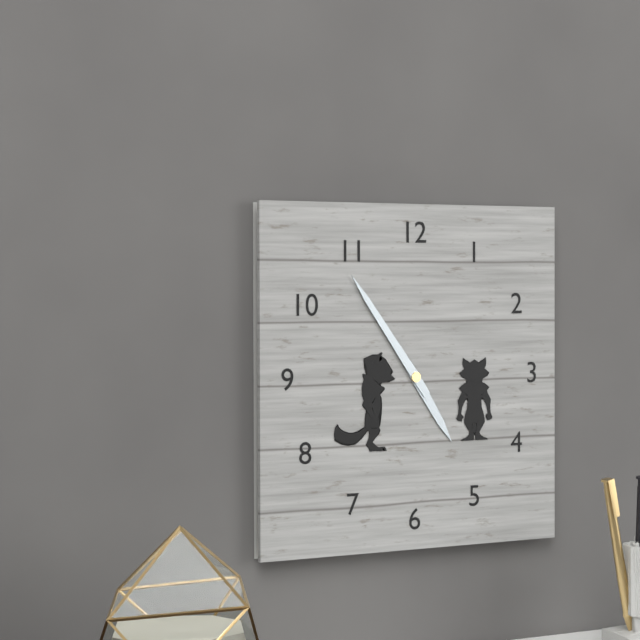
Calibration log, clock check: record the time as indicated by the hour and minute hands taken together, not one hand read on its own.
4:54
